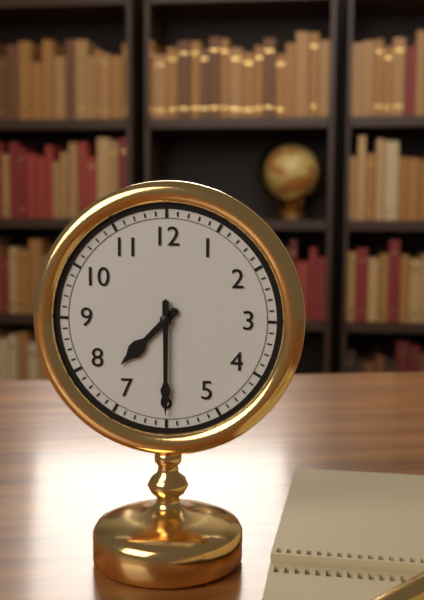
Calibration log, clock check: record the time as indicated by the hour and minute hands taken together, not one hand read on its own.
7:30
